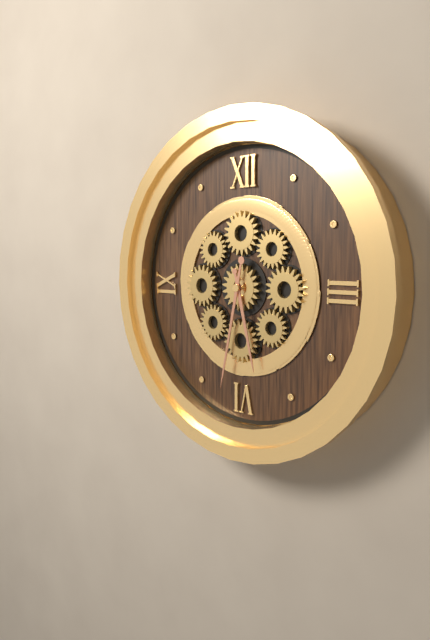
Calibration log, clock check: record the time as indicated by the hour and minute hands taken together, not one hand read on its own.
5:32
